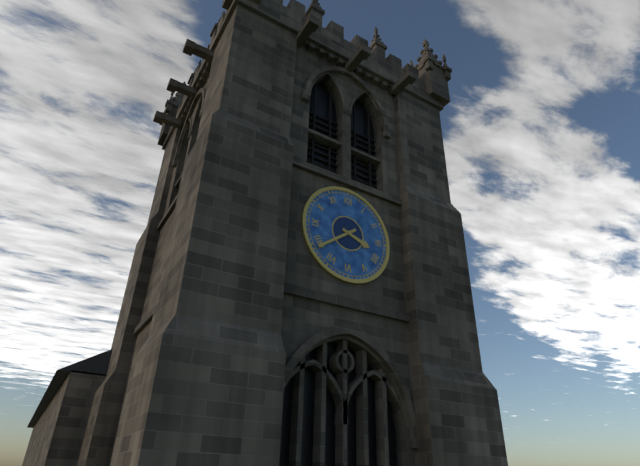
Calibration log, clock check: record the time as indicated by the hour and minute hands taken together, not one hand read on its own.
3:39
